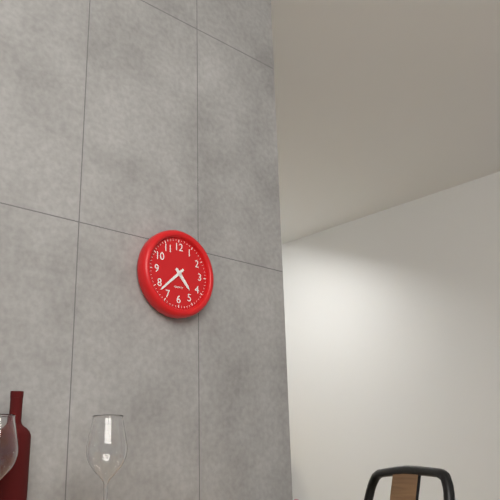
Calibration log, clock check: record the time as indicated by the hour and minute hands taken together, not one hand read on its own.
4:38
